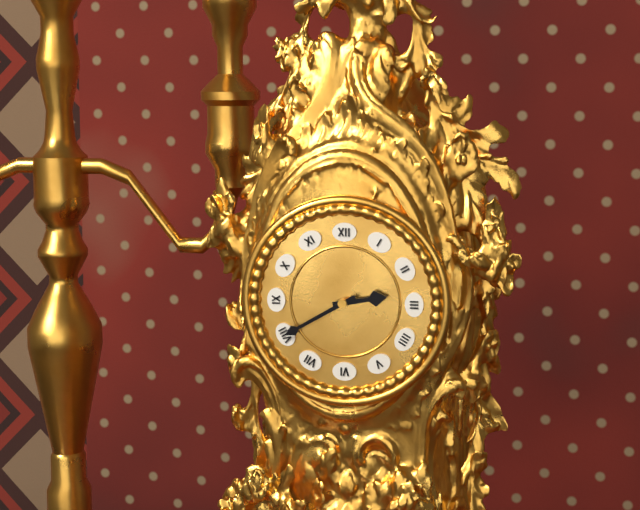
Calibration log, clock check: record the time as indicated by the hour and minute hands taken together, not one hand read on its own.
2:40
